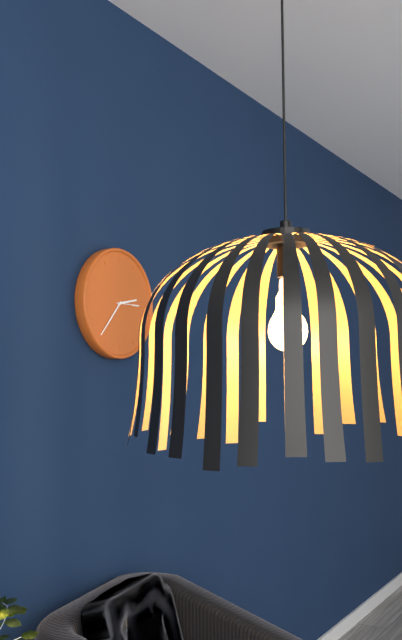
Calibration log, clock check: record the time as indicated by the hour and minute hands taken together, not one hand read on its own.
2:37
